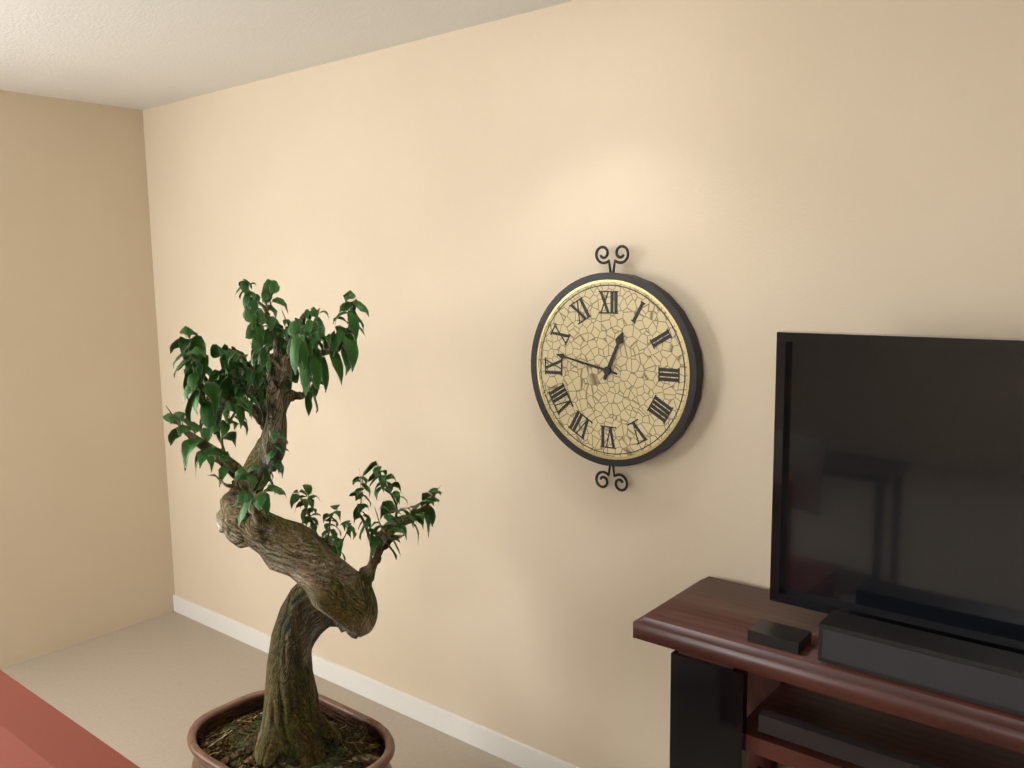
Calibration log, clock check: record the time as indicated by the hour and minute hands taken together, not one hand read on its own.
12:47
